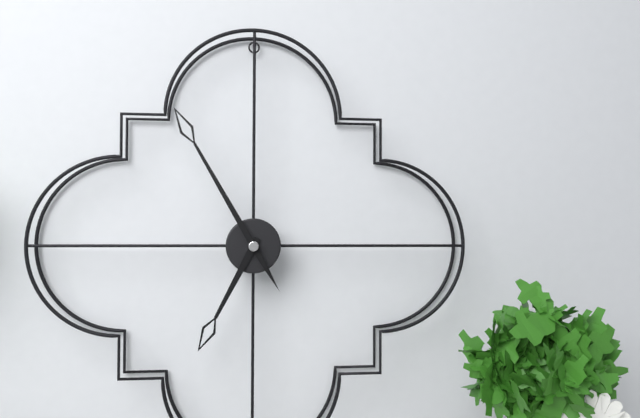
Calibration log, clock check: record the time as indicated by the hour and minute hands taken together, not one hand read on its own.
6:55
